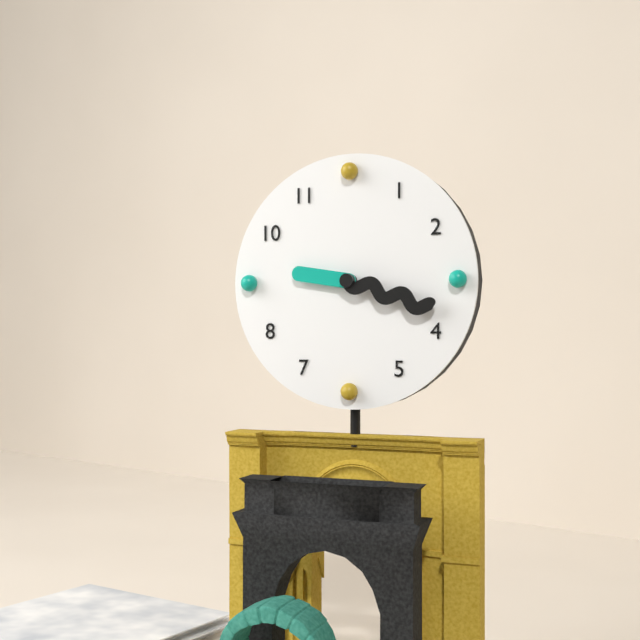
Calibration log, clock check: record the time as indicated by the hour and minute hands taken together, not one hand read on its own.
9:18
